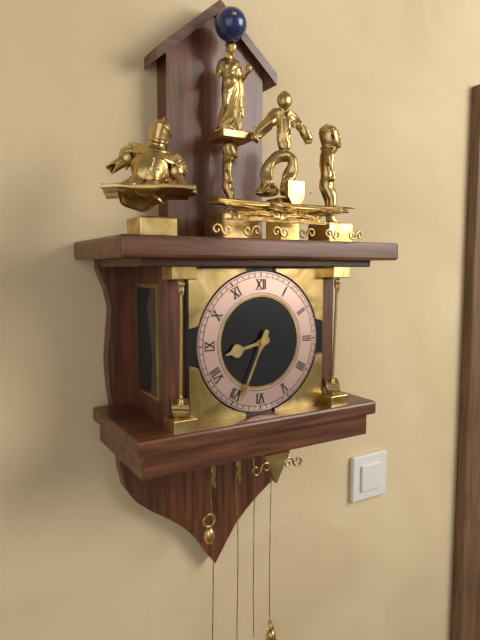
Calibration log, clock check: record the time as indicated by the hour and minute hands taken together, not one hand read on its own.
8:34
